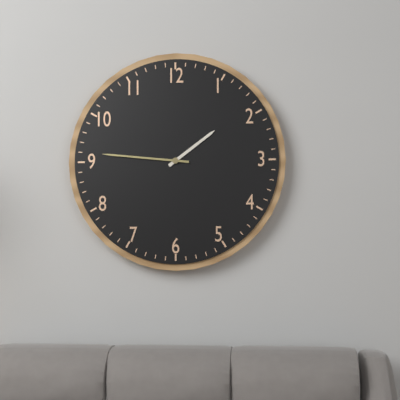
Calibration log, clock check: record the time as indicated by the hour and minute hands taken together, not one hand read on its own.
1:46
